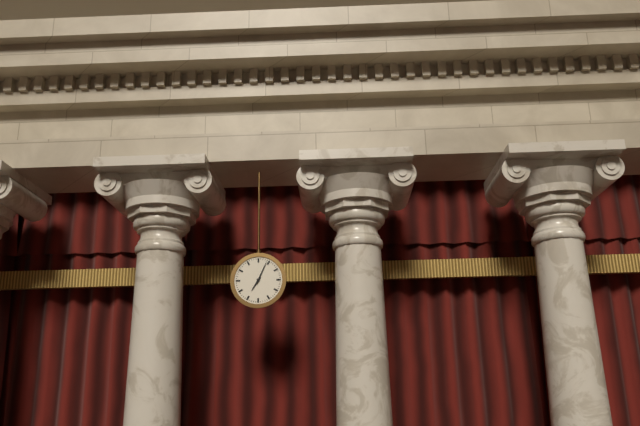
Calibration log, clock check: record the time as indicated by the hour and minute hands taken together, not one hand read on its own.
7:04
